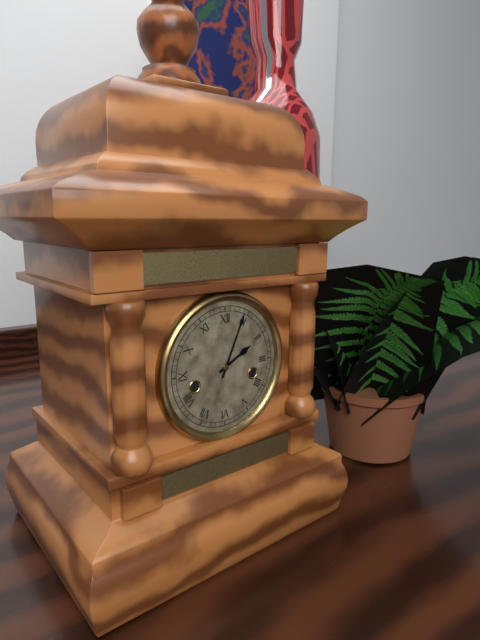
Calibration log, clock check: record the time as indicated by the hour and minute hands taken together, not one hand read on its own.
2:04
